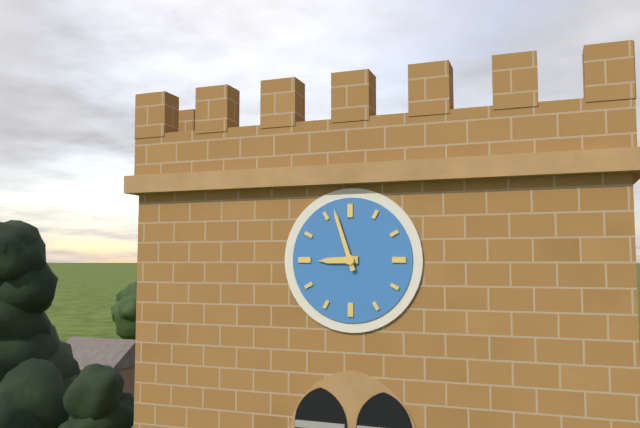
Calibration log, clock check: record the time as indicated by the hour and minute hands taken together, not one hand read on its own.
8:57
